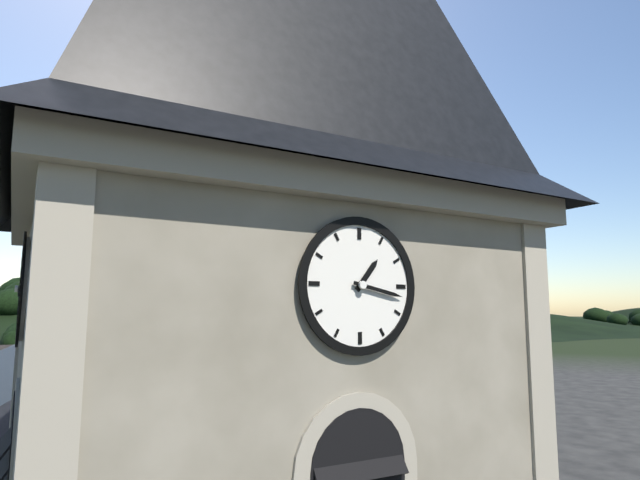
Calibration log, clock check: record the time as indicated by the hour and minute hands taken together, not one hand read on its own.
1:17
